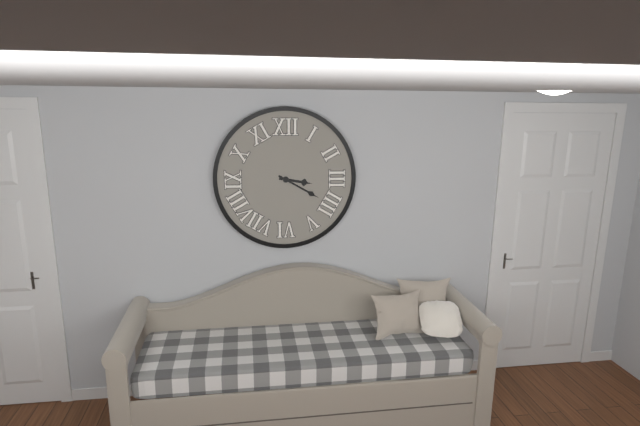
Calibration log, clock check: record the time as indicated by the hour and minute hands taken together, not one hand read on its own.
3:20
